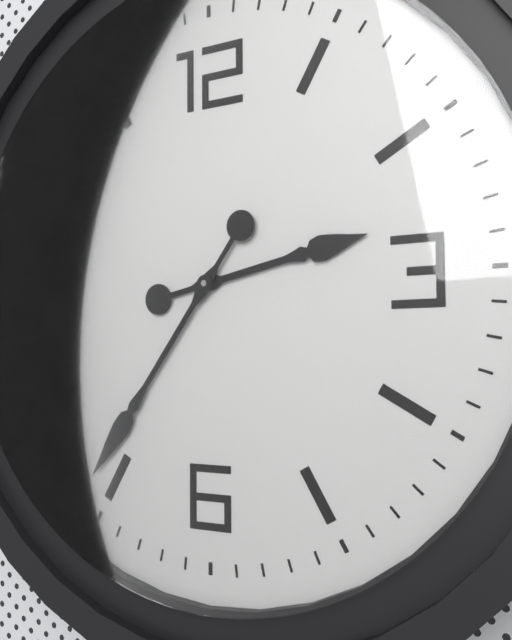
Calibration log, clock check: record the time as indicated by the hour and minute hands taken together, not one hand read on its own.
2:36
